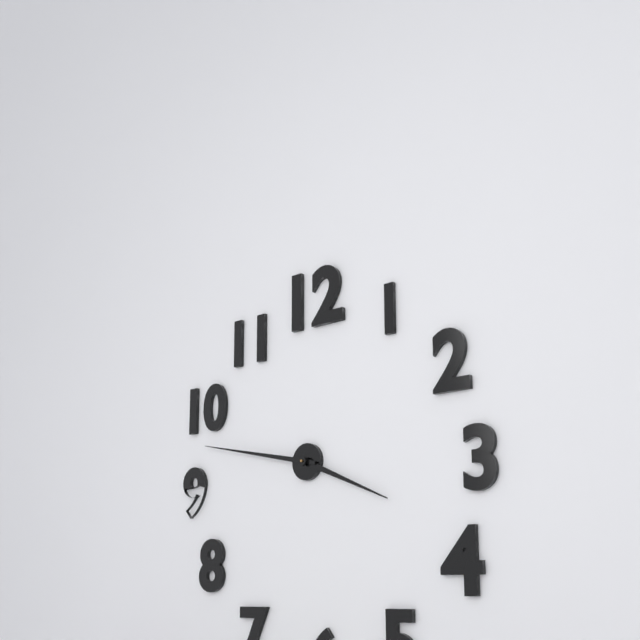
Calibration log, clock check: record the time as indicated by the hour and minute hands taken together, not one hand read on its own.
3:47
